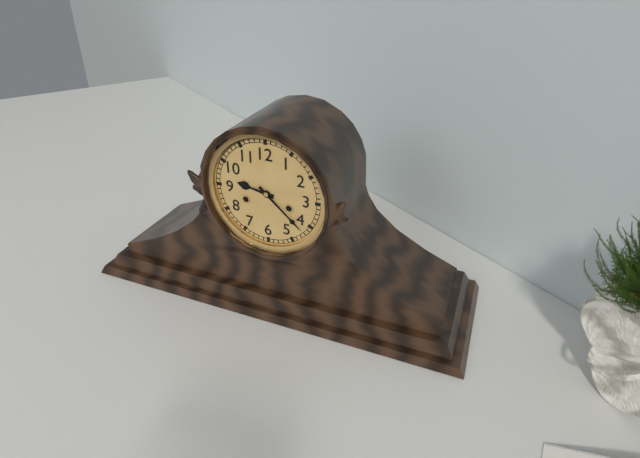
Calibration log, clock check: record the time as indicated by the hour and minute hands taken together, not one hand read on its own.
9:22
